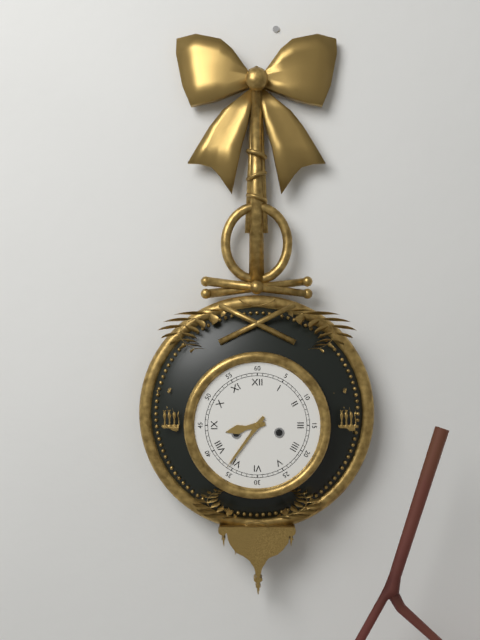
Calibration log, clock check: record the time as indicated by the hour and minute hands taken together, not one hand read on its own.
8:36
